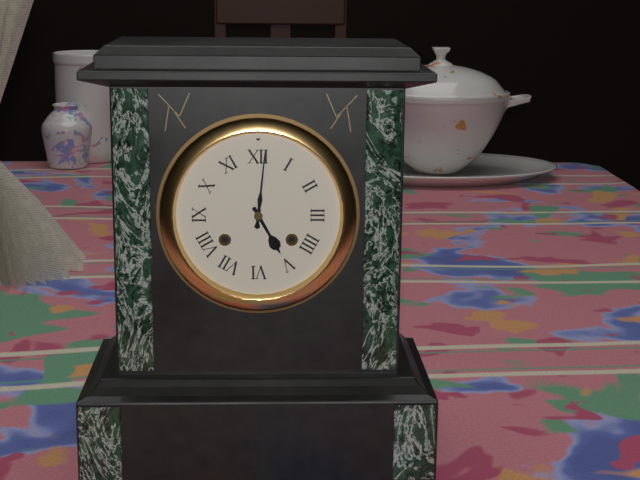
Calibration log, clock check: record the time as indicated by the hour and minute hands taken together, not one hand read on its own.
5:01
